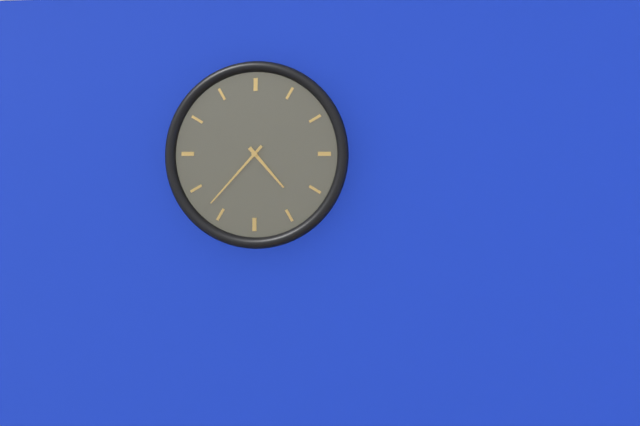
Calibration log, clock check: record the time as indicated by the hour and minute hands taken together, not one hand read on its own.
4:37
